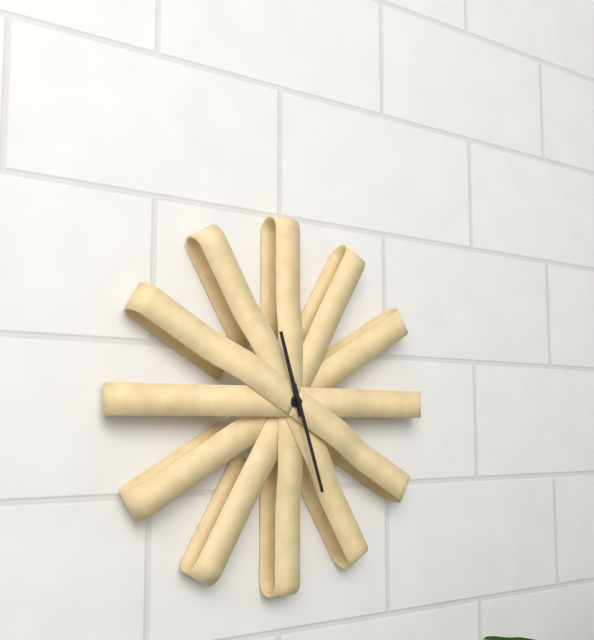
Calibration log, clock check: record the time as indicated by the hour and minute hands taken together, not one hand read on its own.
11:27
